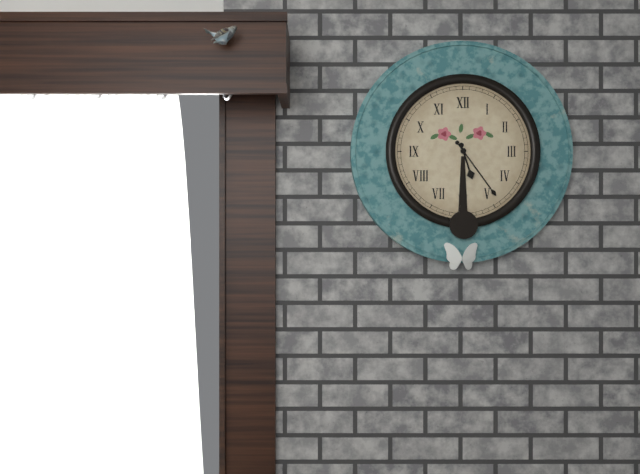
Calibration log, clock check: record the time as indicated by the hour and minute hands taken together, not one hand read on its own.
5:24
